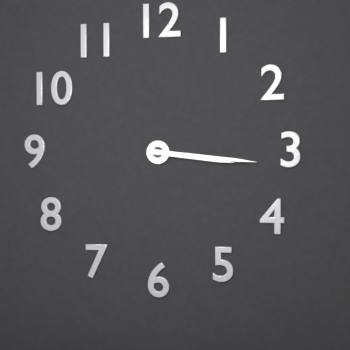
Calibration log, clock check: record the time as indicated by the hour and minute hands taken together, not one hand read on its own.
3:16
